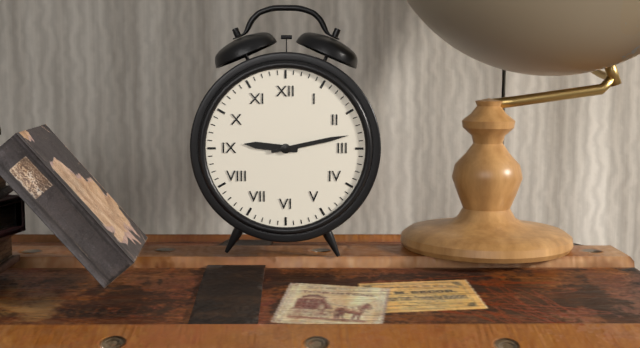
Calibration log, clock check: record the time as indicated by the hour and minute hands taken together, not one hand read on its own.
9:13
